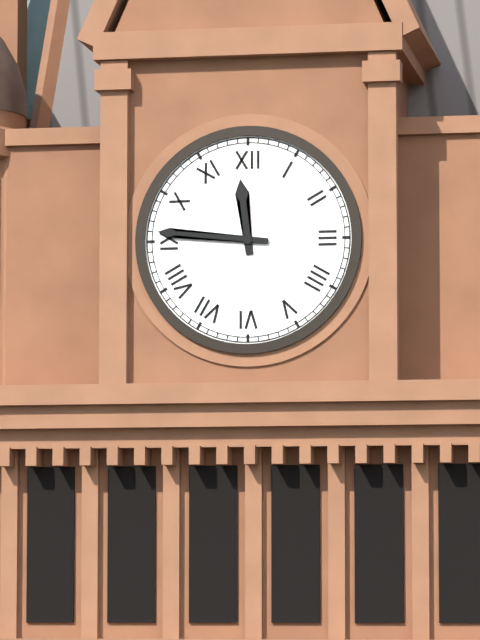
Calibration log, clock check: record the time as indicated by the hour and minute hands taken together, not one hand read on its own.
11:46
